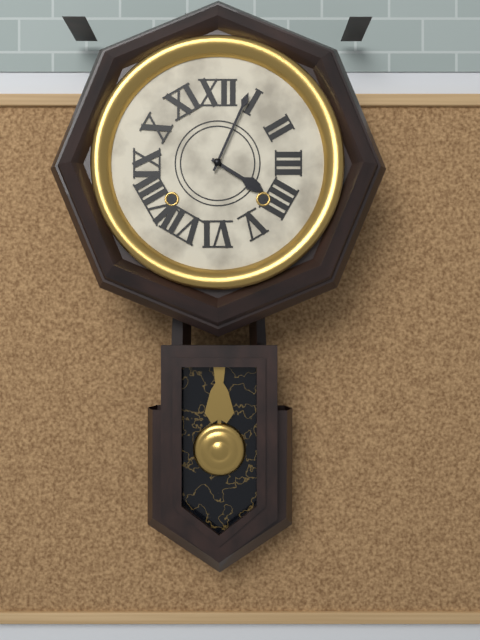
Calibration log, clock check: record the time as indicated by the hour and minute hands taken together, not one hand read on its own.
4:04
